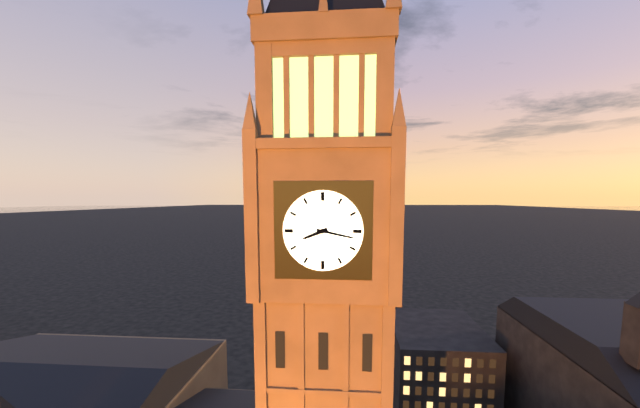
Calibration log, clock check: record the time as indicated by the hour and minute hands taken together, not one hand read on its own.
8:17
